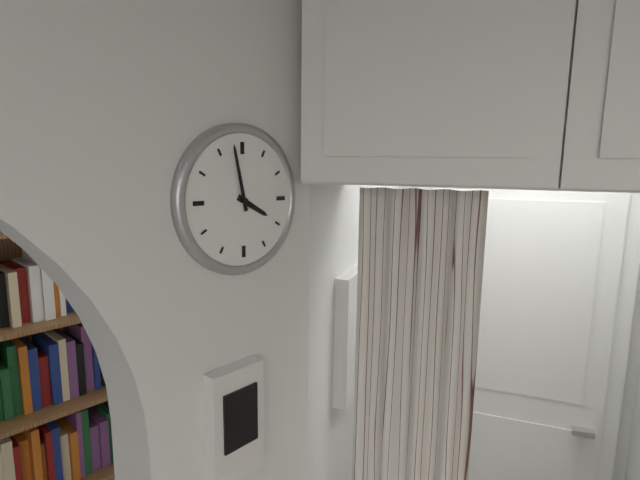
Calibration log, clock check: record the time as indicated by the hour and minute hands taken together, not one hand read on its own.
3:58
